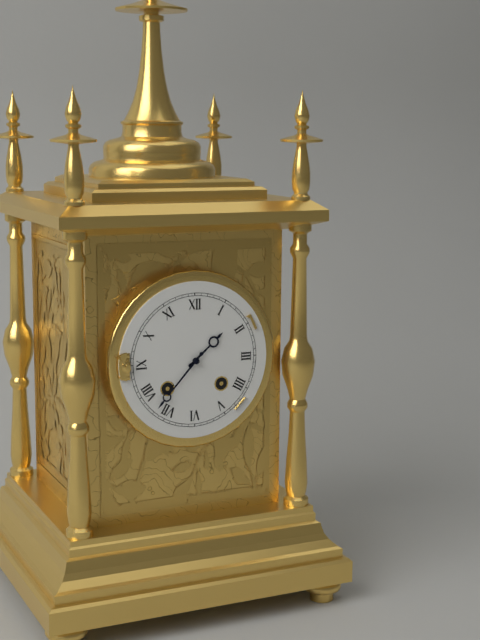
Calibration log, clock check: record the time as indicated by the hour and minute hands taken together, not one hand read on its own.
1:37
